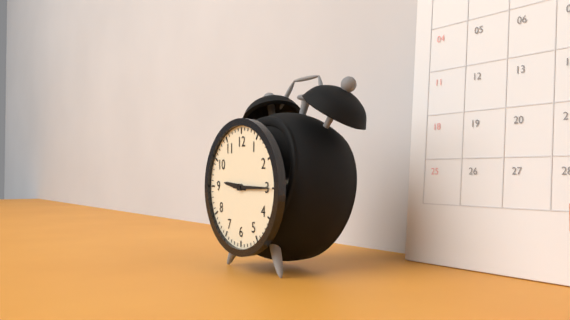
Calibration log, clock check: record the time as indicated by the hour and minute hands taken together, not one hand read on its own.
9:15
